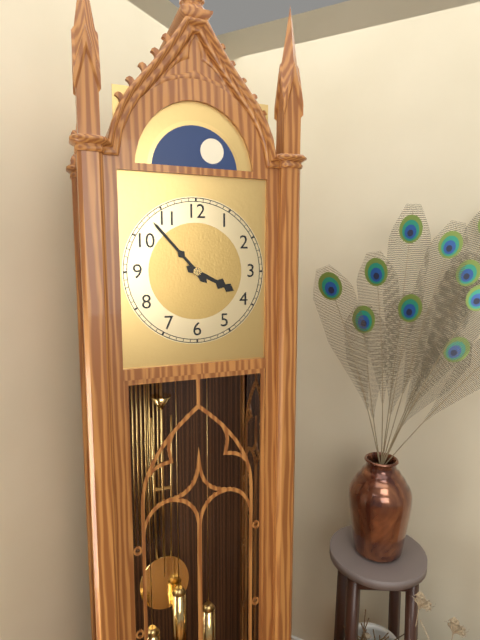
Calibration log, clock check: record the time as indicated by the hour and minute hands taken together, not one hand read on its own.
3:53
